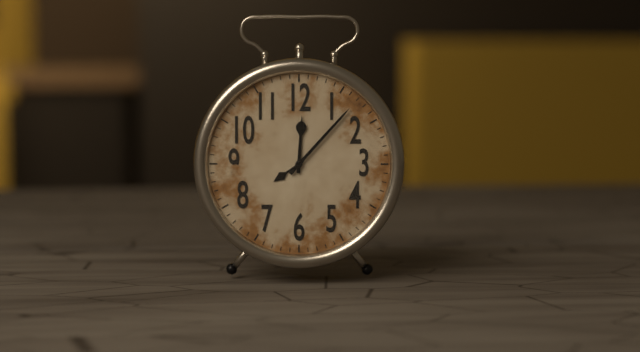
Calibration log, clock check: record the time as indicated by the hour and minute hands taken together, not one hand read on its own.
12:07
